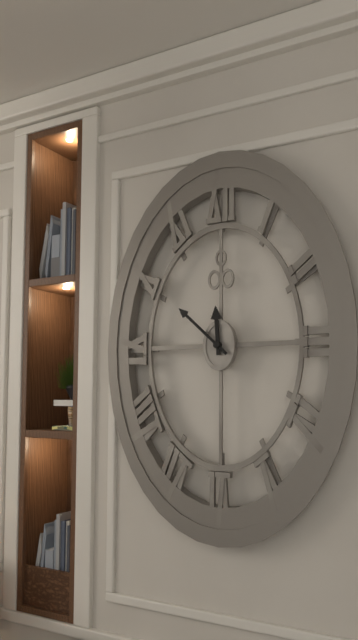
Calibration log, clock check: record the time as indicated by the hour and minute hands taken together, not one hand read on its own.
11:52
